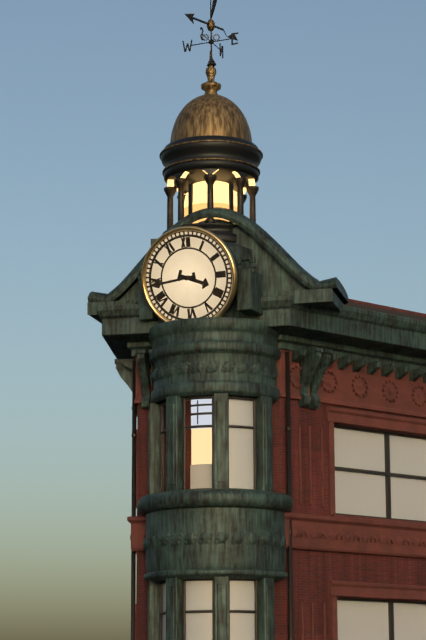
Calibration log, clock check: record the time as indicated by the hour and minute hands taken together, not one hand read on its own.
3:44
